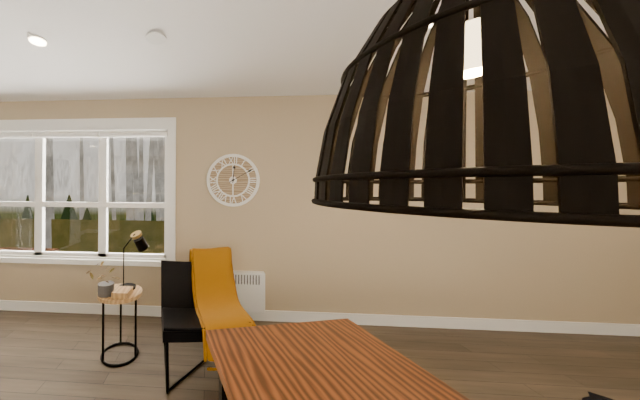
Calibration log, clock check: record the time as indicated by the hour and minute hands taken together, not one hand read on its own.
12:10
